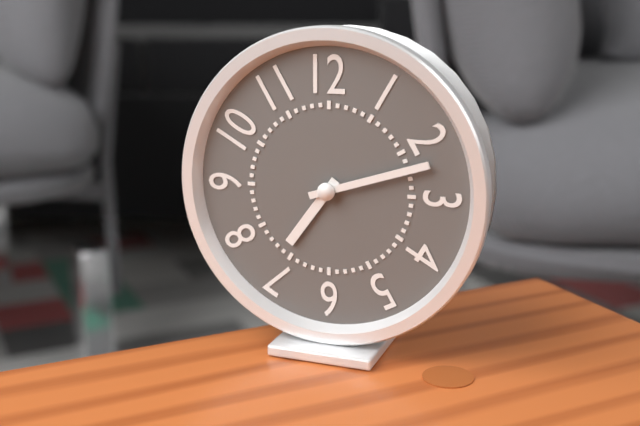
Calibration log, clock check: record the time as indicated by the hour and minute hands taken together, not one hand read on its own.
7:12
